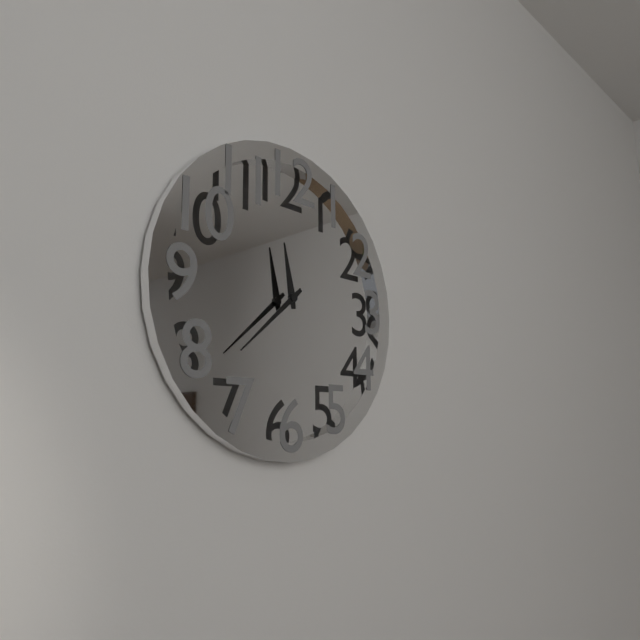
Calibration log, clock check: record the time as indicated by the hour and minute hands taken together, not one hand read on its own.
11:38
